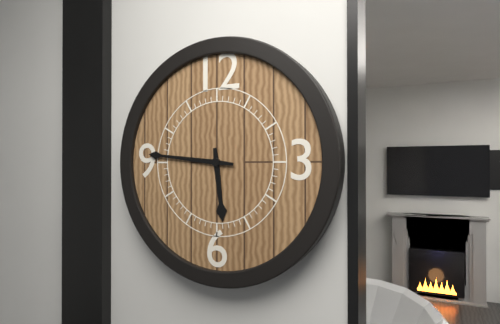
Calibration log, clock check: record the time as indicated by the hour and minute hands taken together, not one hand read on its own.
5:46
